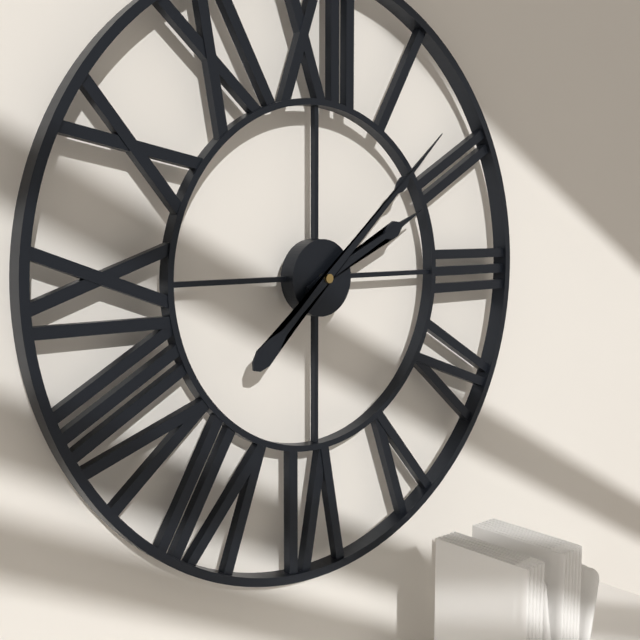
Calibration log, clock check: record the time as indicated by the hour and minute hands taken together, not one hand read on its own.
2:08
